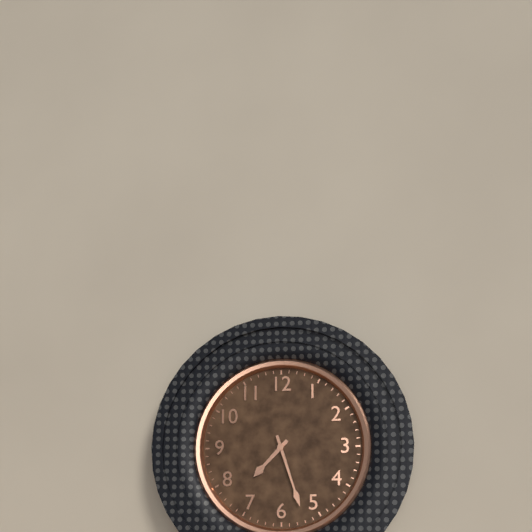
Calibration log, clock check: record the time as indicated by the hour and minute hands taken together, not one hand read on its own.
7:27
